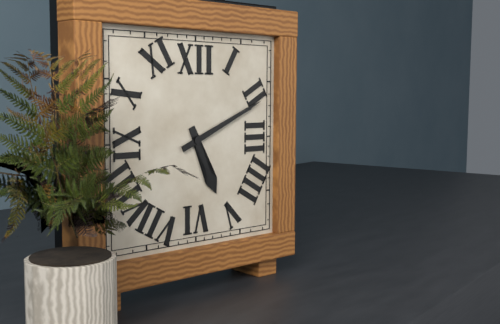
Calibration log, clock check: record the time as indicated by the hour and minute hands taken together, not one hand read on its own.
5:11
